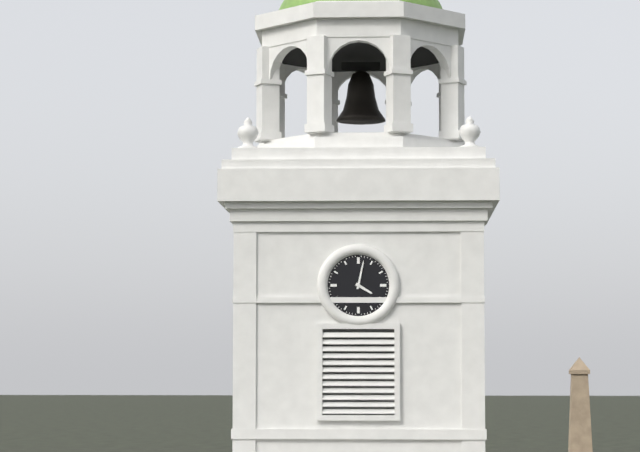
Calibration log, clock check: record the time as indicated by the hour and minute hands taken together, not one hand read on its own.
4:02
